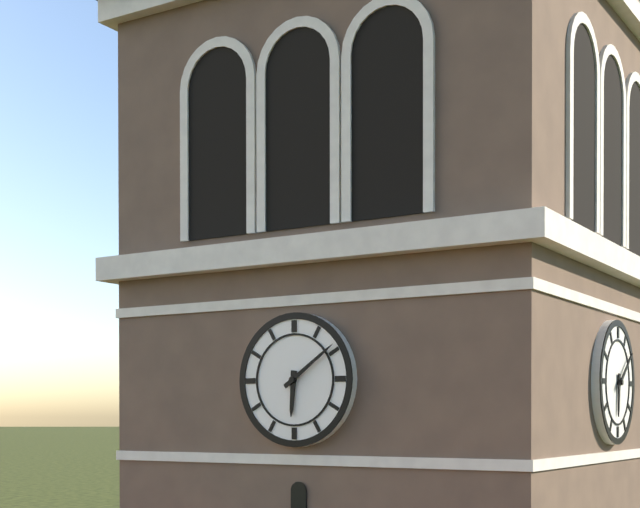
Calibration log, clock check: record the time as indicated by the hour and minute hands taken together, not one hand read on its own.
6:09
